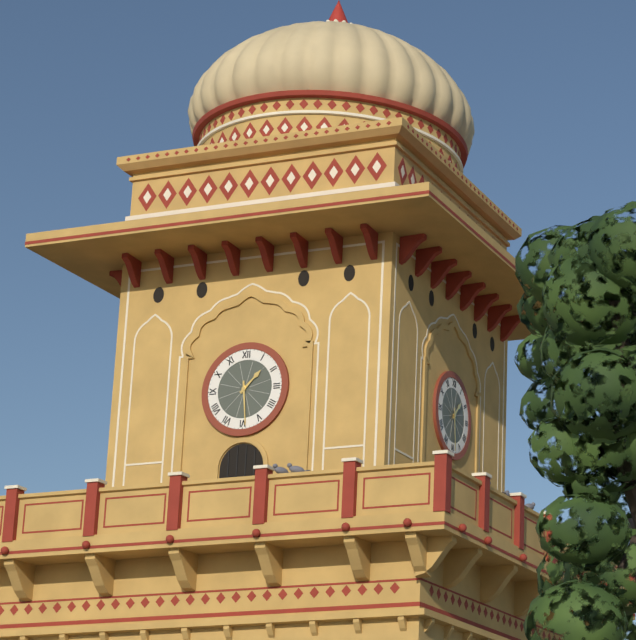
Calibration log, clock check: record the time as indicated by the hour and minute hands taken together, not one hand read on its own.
1:29
